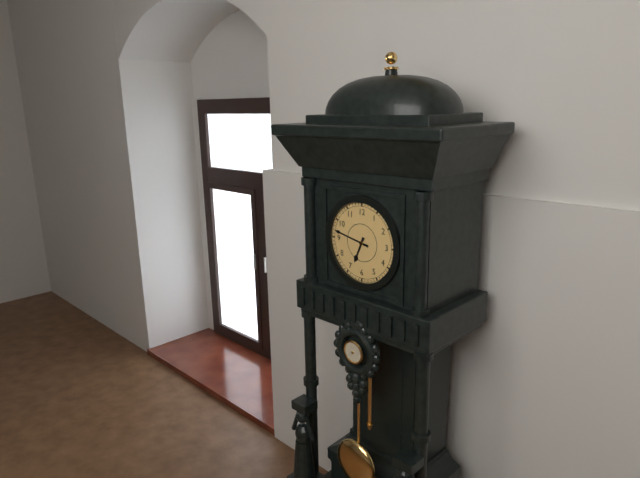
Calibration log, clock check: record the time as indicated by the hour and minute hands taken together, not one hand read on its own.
6:47
